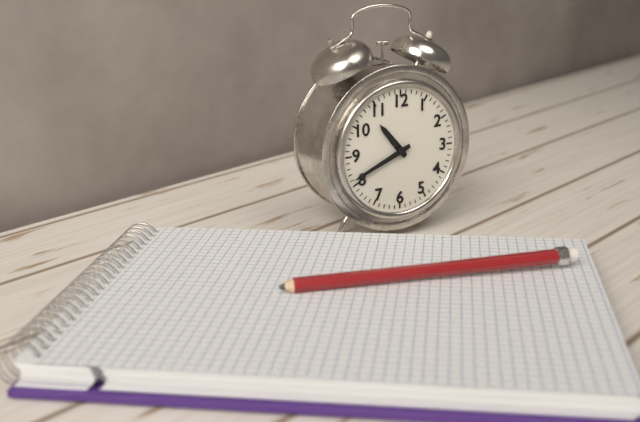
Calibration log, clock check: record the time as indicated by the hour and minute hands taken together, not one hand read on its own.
10:41
